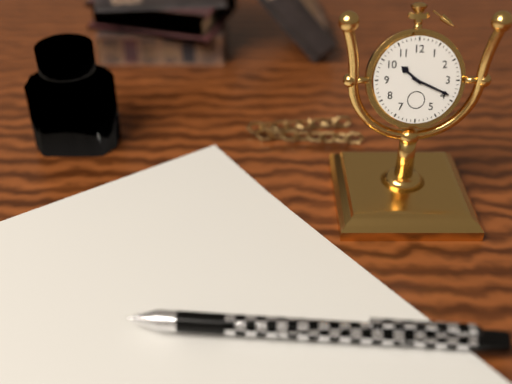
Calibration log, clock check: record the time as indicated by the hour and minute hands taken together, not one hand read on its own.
10:19
